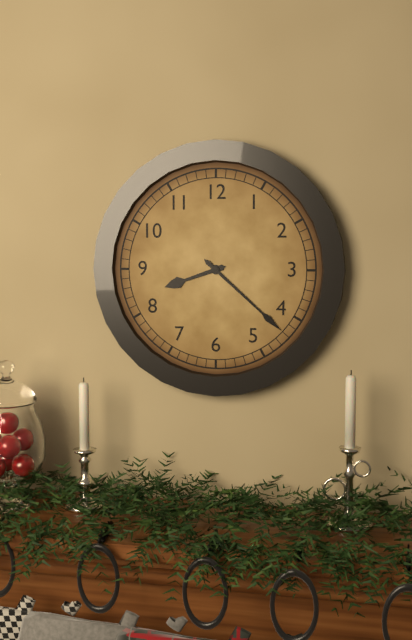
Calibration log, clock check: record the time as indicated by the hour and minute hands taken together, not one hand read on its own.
8:22
